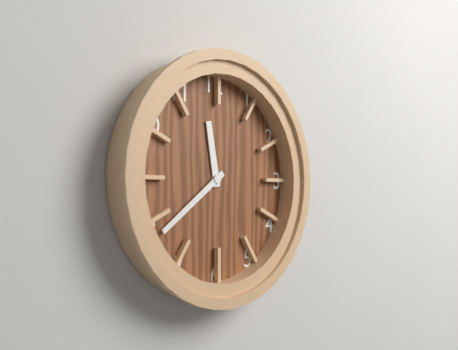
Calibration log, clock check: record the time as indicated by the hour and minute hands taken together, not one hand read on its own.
11:39
